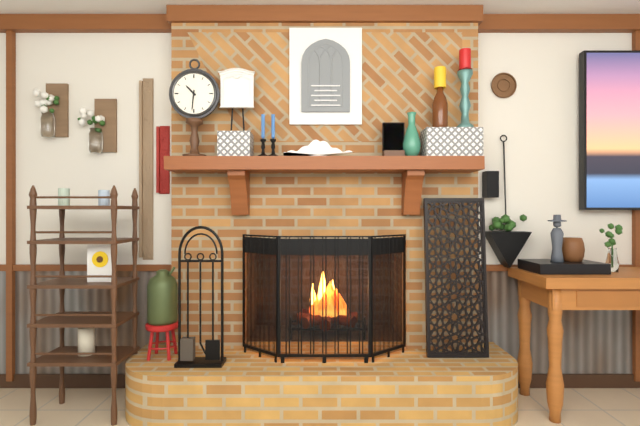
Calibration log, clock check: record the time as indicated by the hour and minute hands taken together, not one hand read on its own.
10:31
